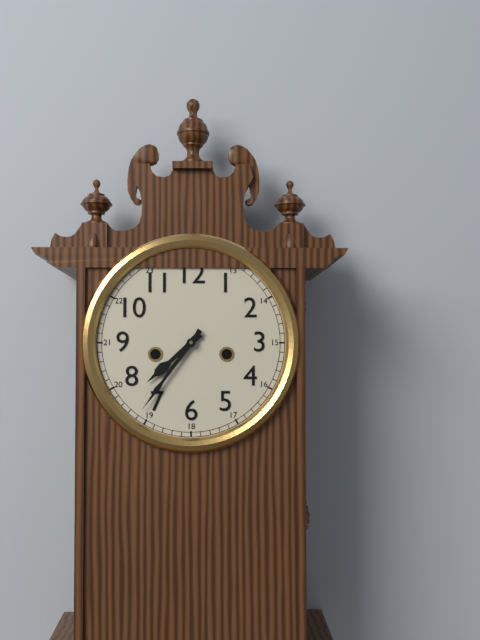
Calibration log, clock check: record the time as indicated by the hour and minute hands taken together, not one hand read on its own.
7:36
